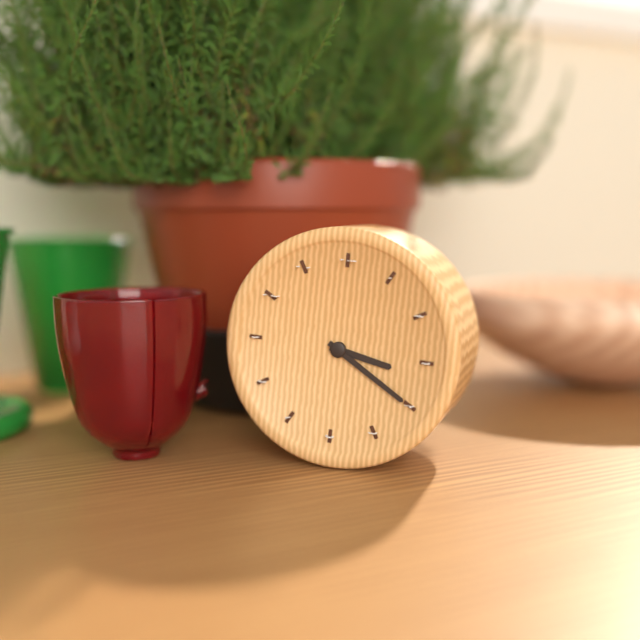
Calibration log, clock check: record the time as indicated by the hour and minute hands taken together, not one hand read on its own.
3:20
